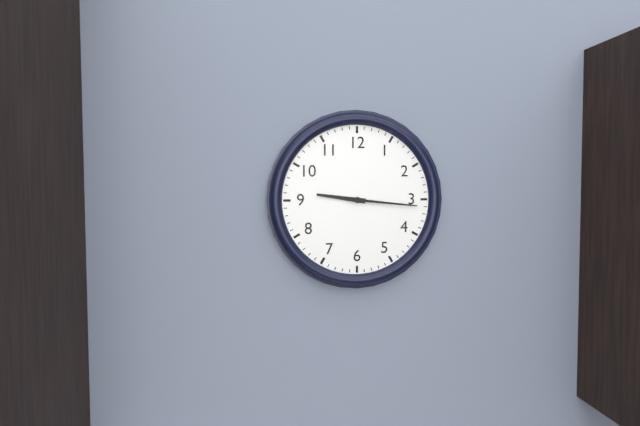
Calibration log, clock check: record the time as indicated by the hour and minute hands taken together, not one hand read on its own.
9:16
